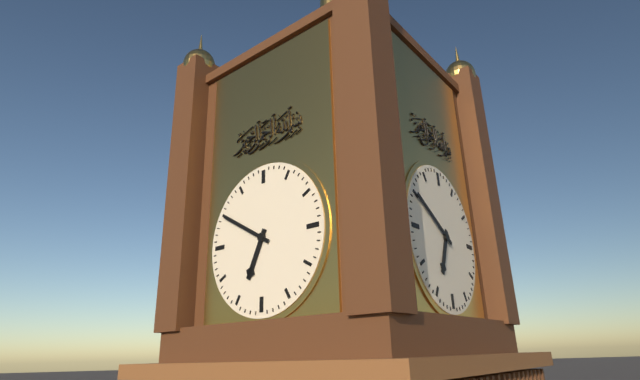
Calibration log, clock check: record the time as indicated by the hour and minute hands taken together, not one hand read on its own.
6:50
